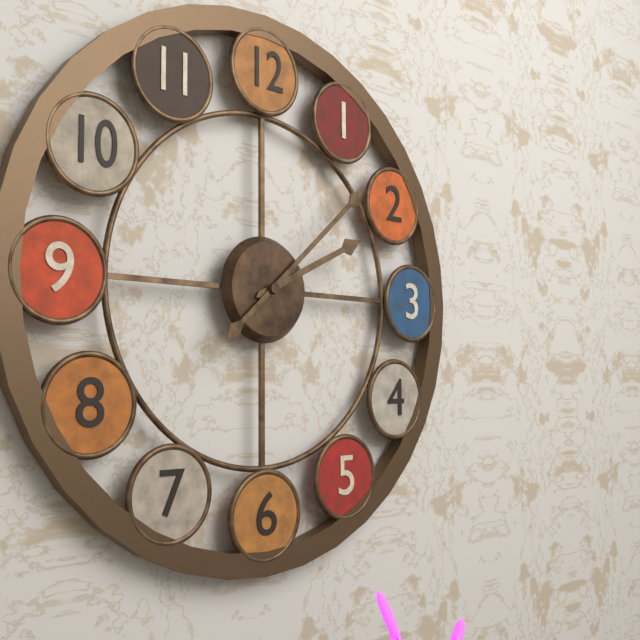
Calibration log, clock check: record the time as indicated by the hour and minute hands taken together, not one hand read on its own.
2:08
